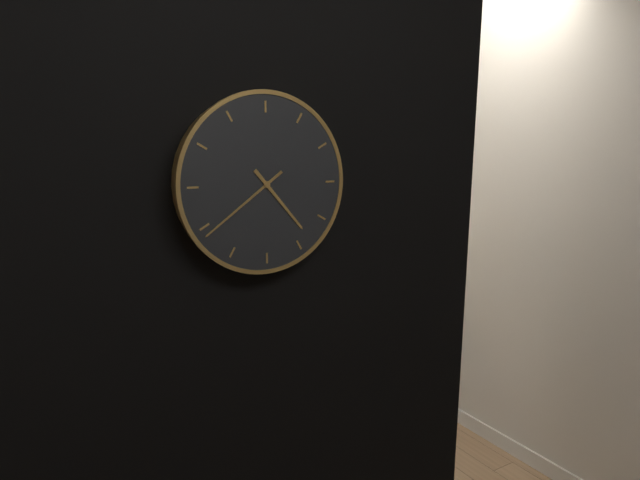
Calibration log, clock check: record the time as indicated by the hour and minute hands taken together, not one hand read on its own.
4:39
